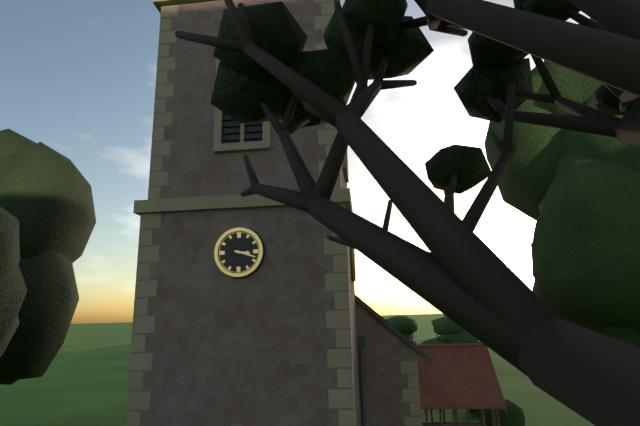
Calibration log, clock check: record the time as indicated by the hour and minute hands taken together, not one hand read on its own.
3:18
